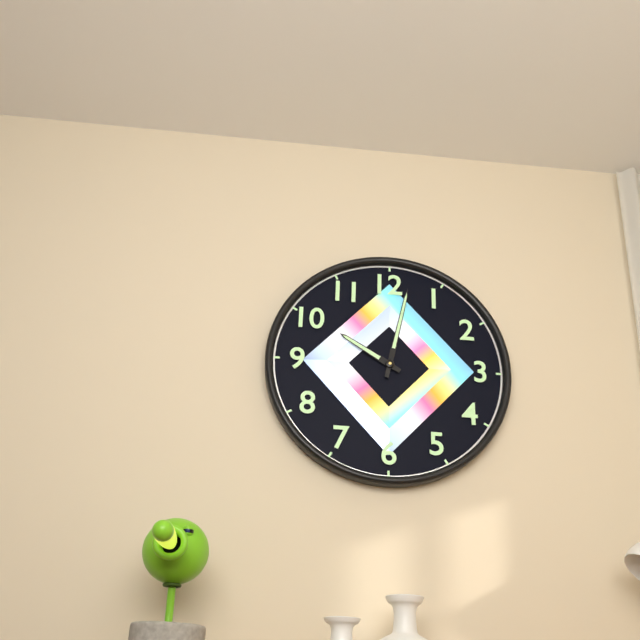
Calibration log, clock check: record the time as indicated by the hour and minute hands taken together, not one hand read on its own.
10:02
